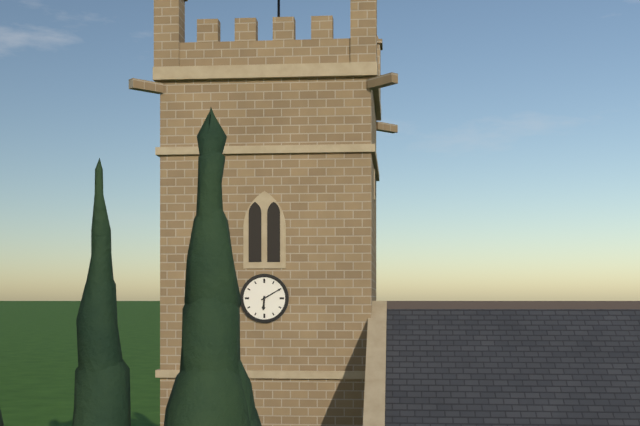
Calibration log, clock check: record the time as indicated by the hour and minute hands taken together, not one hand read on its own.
6:10
